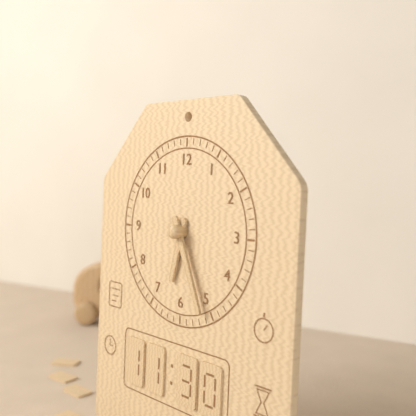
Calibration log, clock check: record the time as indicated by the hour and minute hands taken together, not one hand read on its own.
6:26
